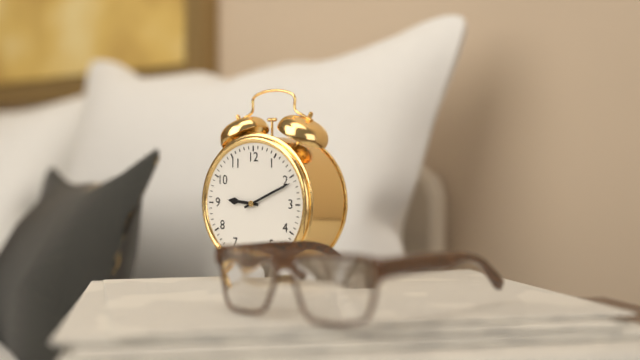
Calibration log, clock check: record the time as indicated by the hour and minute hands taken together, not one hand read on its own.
9:11
